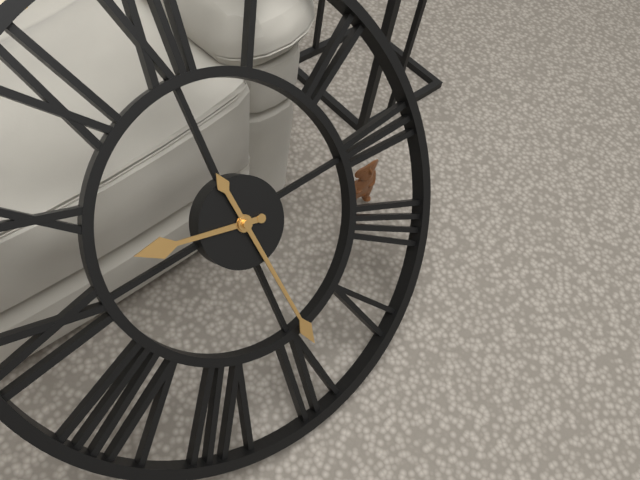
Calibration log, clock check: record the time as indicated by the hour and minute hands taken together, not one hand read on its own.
9:29
